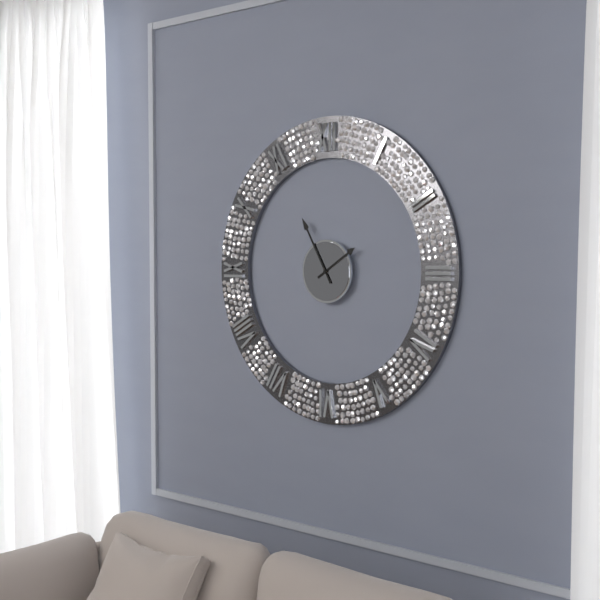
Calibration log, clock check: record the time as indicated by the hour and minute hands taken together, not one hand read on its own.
1:55
